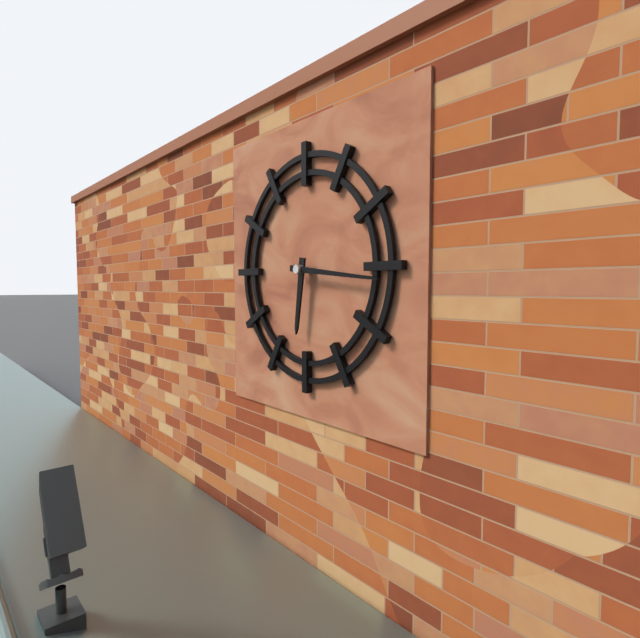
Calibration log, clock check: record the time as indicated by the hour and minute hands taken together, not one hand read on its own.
6:16
